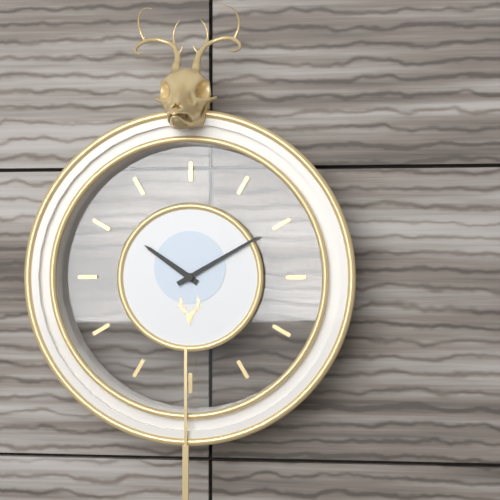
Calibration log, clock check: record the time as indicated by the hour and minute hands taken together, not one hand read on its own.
10:10
